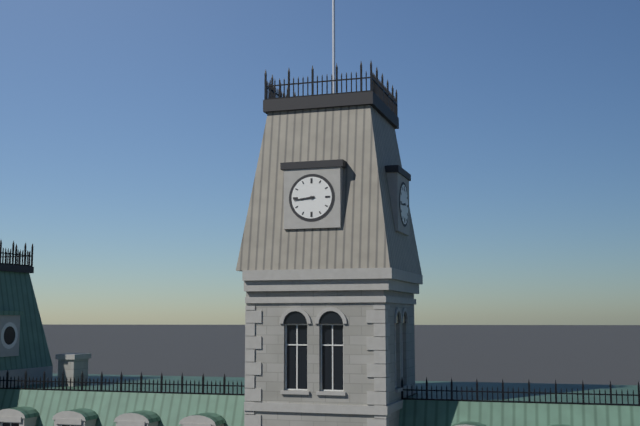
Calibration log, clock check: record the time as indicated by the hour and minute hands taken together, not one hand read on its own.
8:44
